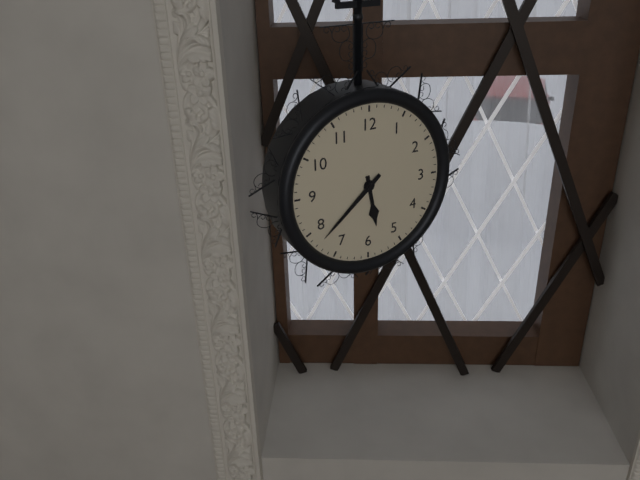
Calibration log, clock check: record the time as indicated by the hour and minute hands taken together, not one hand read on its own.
5:38
